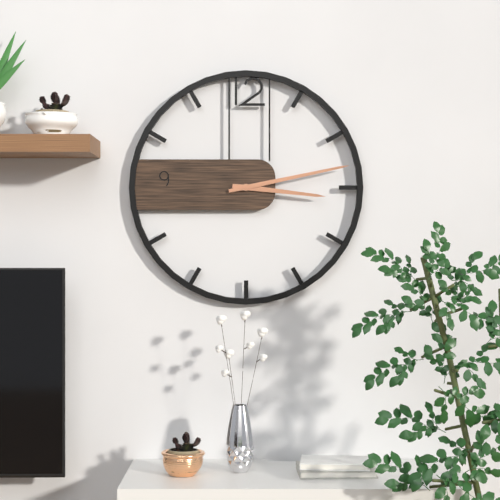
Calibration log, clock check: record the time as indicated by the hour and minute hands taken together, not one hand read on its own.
3:13
